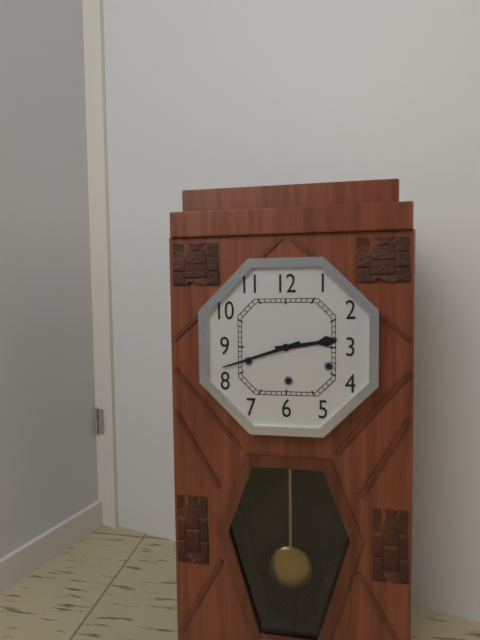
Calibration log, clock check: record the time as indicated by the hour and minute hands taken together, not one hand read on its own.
2:42
